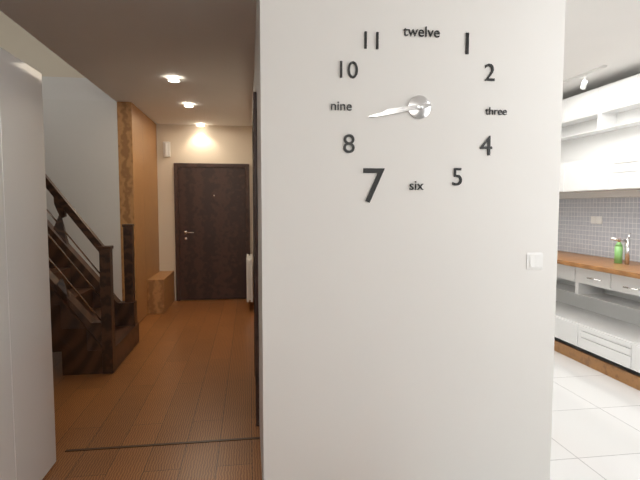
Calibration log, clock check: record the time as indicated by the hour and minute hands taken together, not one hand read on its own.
8:43
